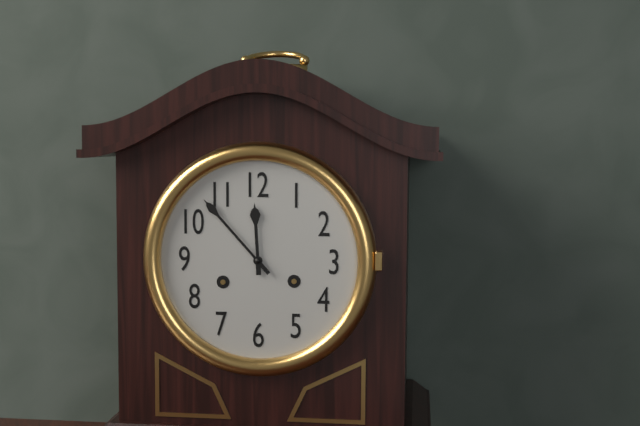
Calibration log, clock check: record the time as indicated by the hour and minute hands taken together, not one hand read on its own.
11:53
